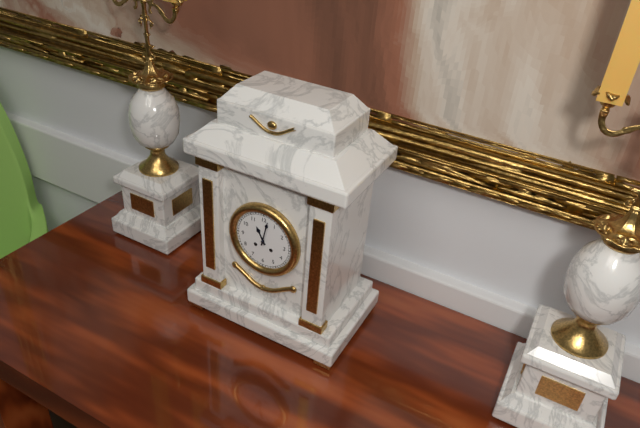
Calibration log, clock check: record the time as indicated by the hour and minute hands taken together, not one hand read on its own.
11:02
